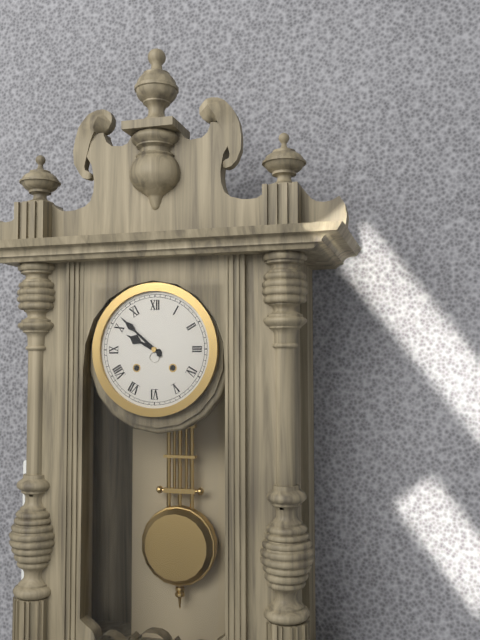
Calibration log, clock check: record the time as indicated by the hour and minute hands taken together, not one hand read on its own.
9:52
